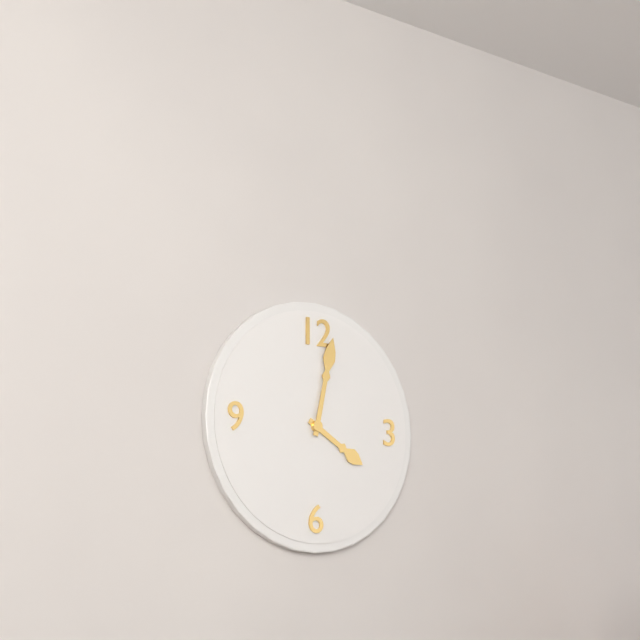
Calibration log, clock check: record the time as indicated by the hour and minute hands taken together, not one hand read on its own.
4:02
